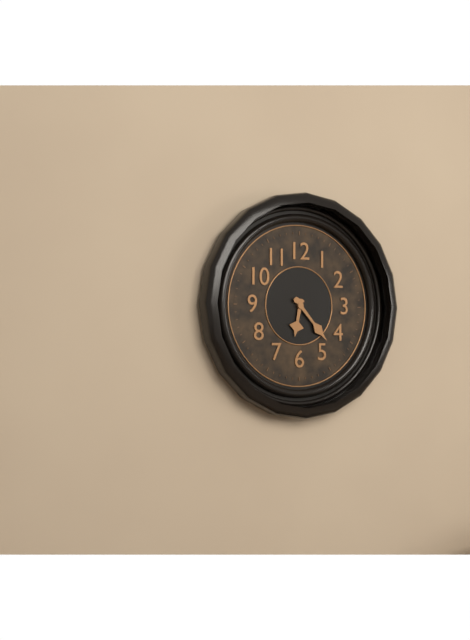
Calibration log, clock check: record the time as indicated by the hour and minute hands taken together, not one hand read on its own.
6:23
